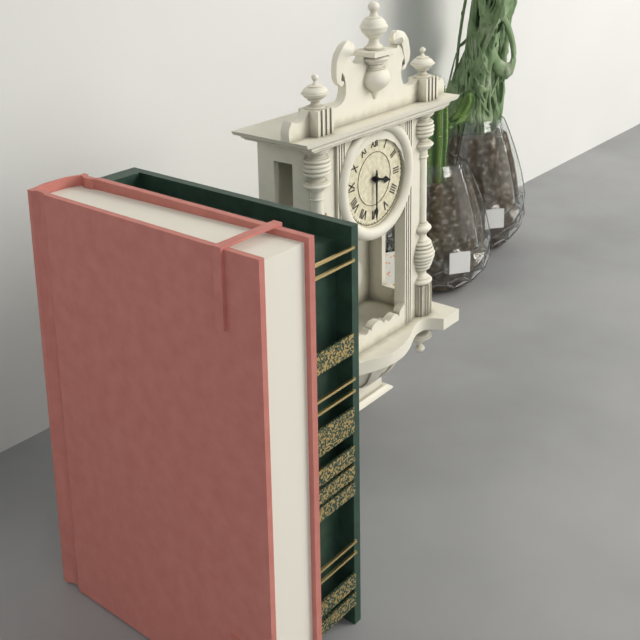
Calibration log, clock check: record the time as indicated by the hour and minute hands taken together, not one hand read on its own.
3:30
